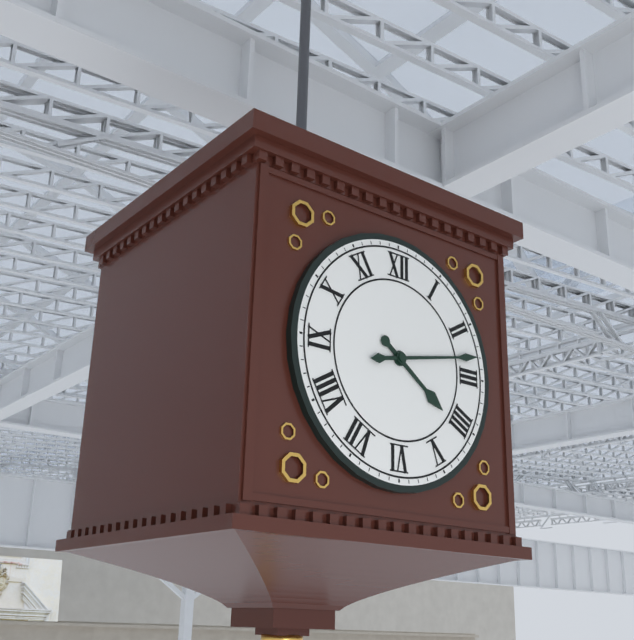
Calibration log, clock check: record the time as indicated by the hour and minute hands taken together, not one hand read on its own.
4:13
